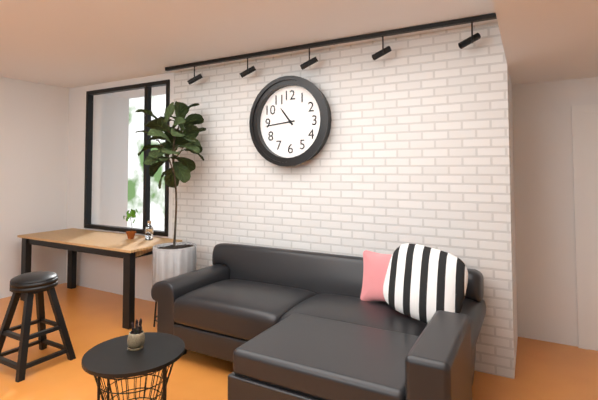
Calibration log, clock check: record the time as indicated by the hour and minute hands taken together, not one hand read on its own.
10:44
